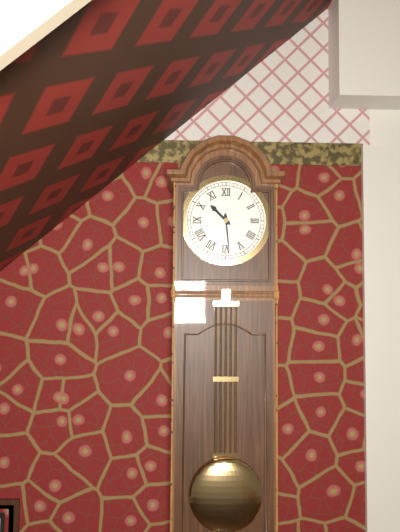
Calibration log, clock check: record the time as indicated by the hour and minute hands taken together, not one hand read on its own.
10:29
